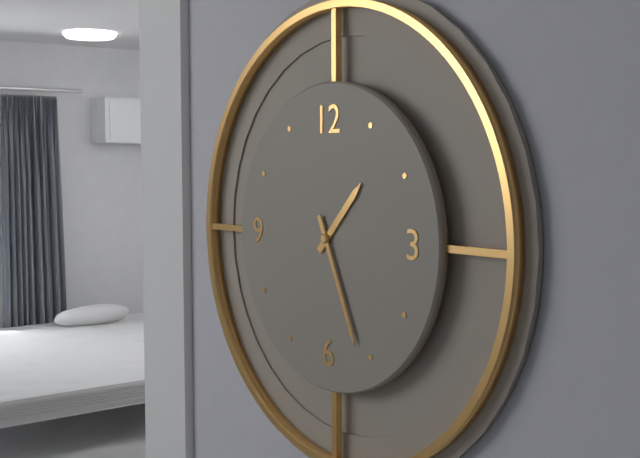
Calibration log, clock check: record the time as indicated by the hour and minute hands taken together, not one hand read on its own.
1:26
